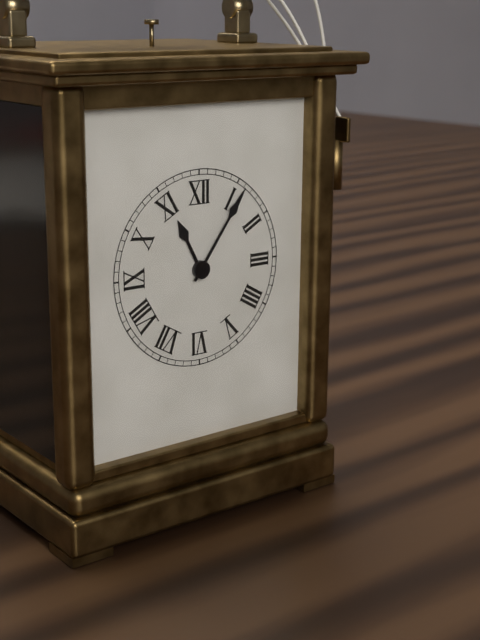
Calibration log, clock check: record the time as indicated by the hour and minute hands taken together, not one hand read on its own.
11:06
